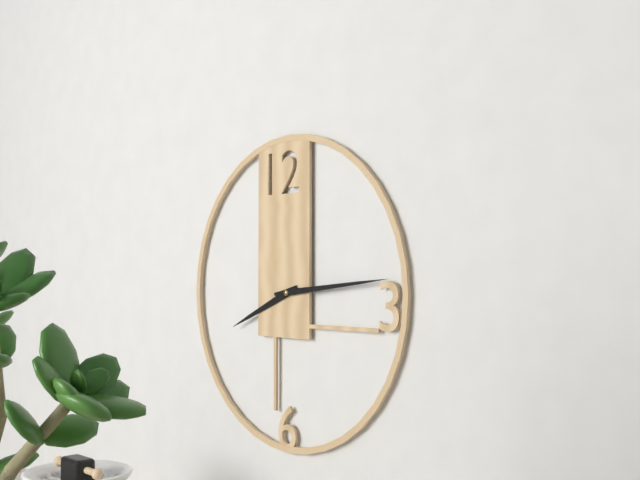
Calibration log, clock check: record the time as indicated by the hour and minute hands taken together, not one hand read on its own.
8:14
